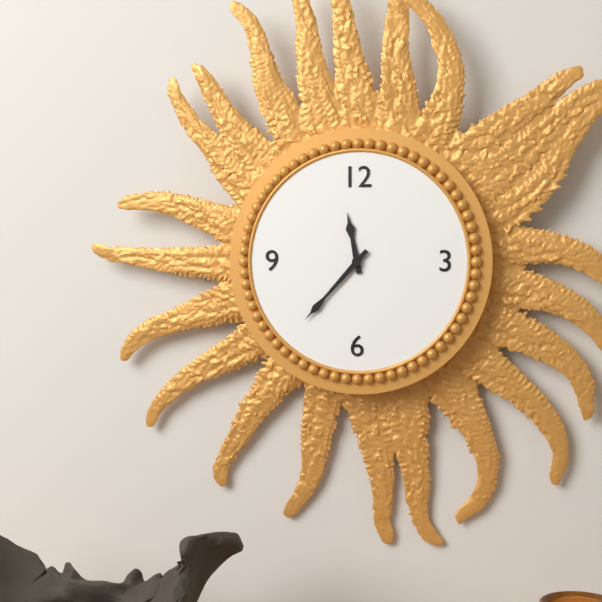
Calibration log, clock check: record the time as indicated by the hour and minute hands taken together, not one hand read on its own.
11:37
